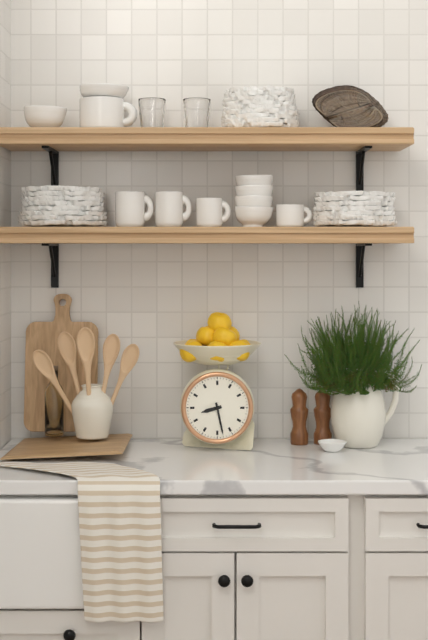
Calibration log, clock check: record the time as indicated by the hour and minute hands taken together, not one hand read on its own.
8:28
